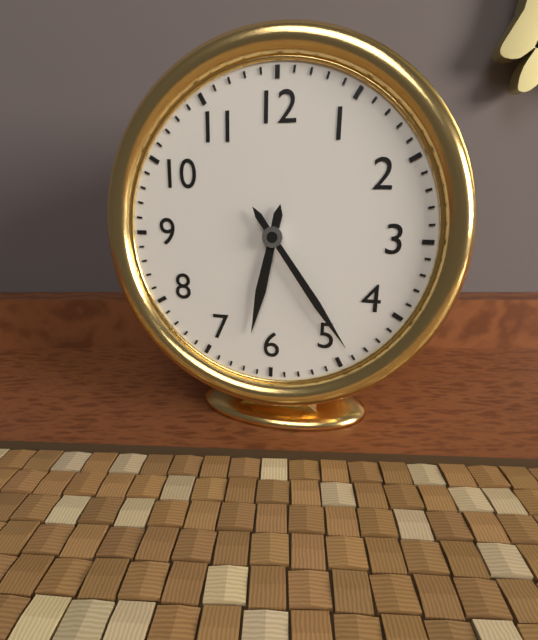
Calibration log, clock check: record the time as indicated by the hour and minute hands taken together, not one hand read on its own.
6:24
